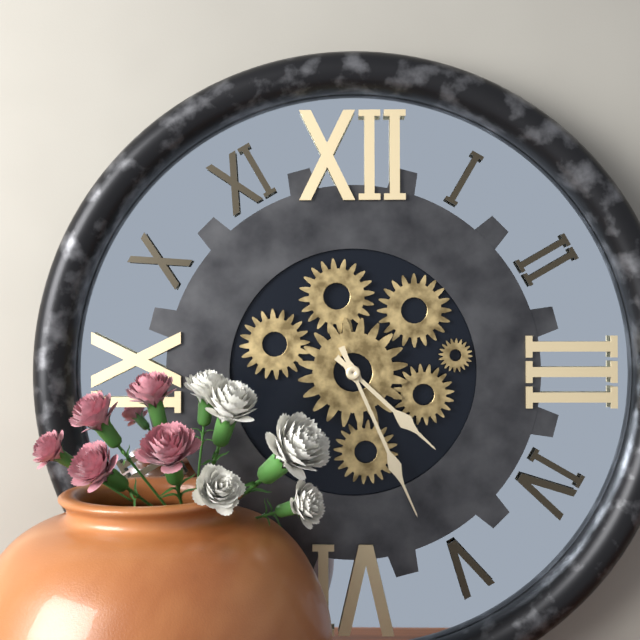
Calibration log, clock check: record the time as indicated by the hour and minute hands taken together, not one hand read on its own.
4:26
